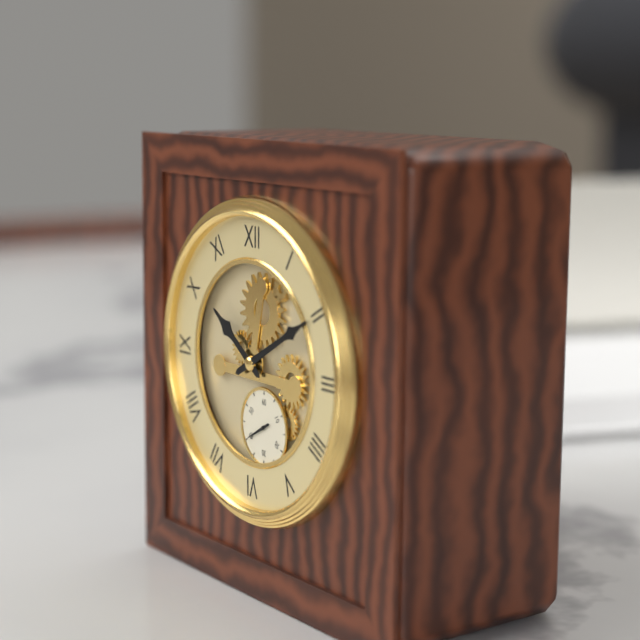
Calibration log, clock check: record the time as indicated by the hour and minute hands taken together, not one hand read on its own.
10:10
